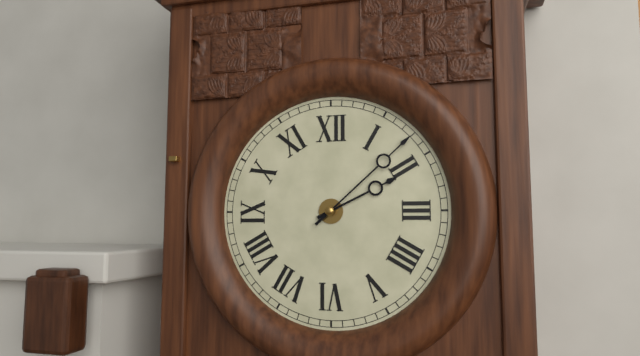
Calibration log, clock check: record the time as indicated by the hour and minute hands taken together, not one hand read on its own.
2:08
